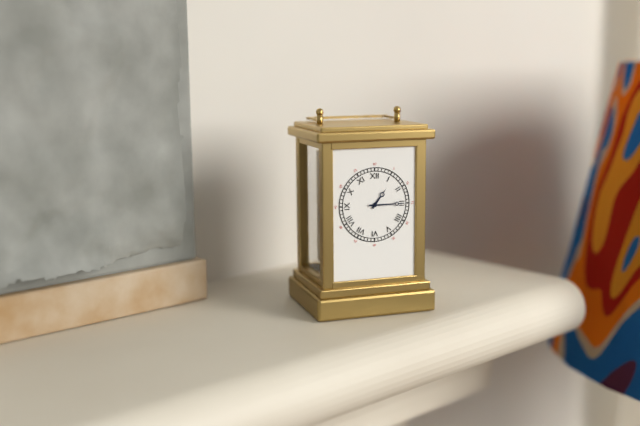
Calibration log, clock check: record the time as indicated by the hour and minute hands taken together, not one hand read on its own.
1:15
